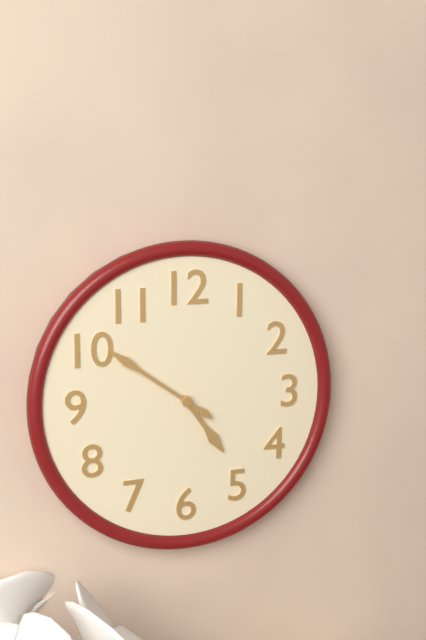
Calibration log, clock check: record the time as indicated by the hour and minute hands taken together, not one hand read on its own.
4:51
